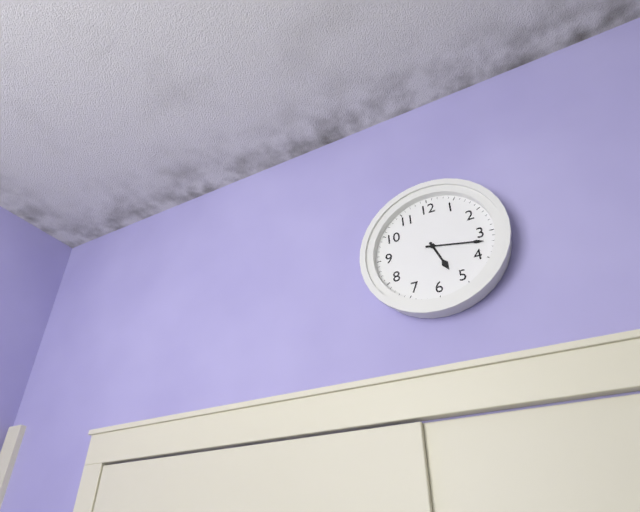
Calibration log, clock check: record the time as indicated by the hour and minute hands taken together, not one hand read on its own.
5:17
